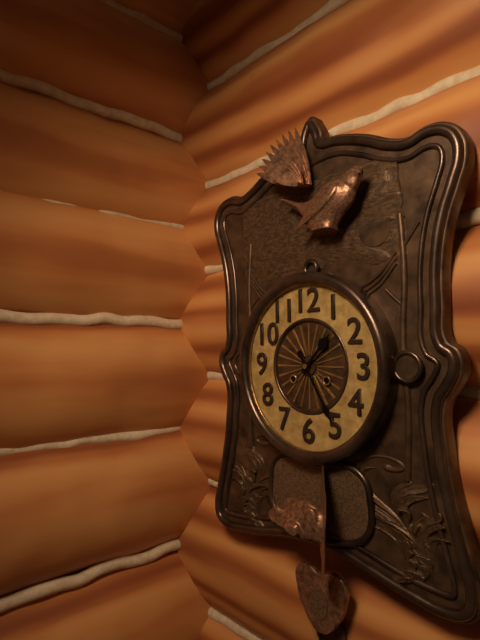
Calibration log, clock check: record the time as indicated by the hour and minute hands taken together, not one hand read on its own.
1:25
